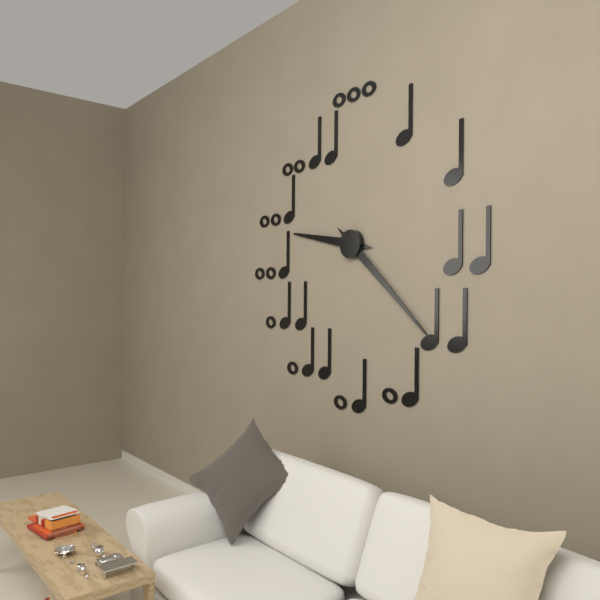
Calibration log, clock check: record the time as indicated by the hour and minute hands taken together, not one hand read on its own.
9:22
